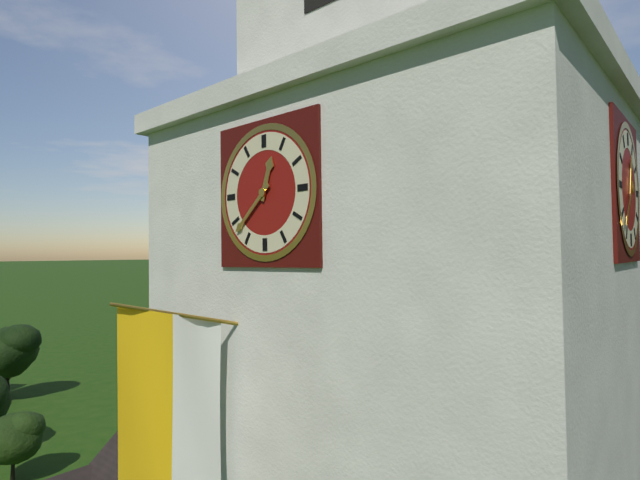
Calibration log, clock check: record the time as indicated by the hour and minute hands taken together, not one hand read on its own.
12:38
